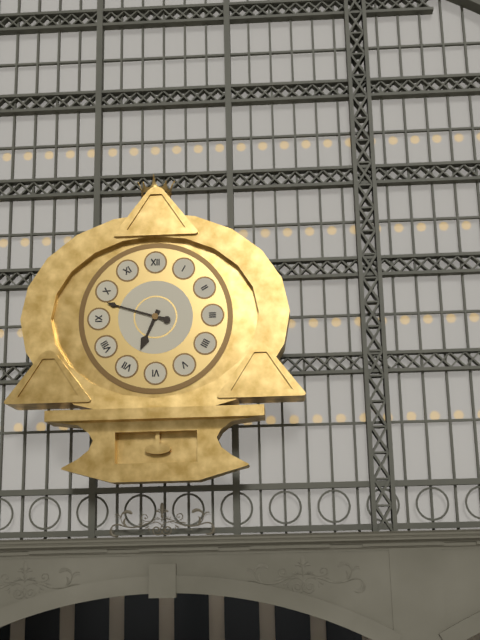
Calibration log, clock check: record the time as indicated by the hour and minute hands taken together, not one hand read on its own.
6:48
